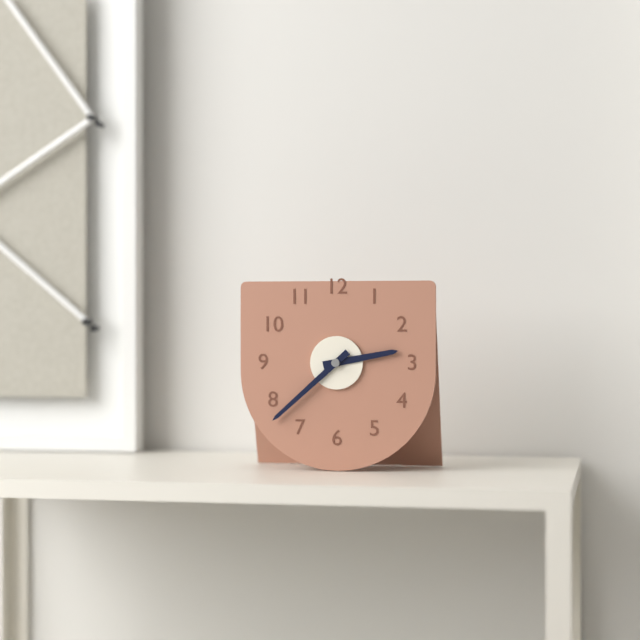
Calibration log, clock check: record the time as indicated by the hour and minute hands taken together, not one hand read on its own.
2:38
